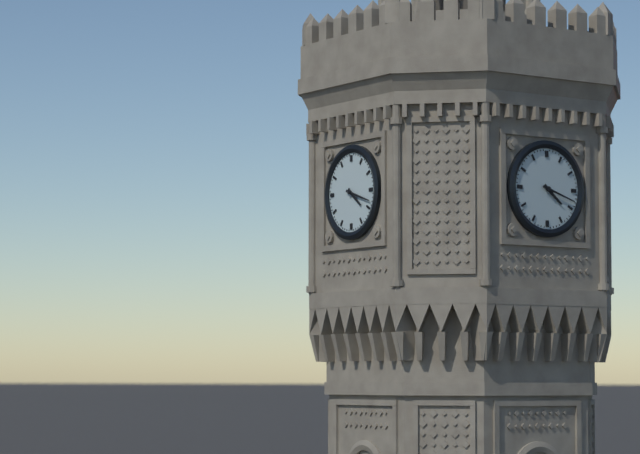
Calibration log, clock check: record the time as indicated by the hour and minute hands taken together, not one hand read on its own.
4:18
